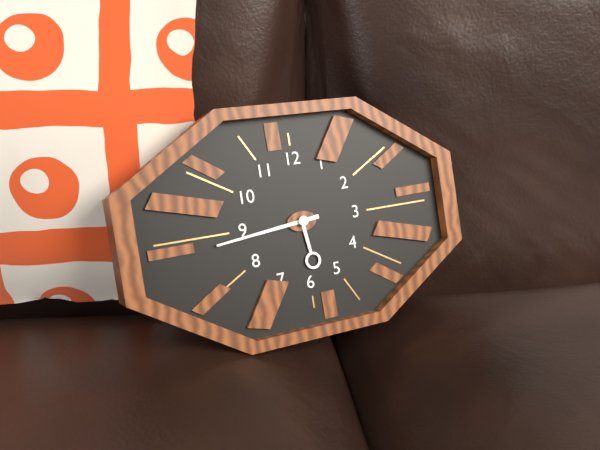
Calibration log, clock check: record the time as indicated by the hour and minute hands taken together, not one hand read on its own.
5:44
